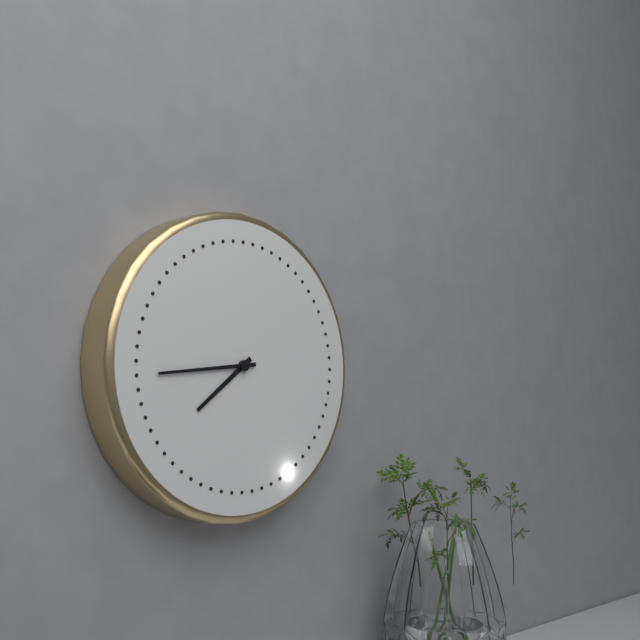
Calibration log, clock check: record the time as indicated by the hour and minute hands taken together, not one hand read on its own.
7:44
